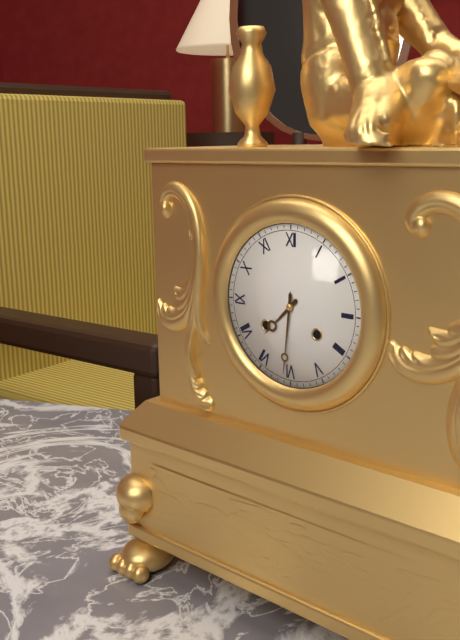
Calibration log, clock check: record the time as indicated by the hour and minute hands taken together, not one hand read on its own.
7:31
